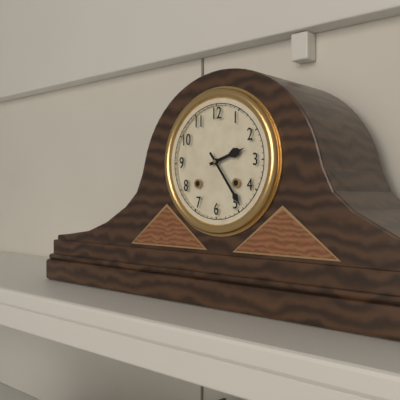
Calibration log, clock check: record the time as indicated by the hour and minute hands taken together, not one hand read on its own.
2:24
